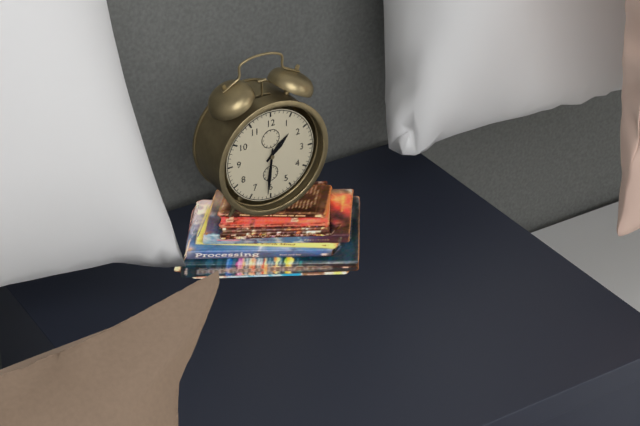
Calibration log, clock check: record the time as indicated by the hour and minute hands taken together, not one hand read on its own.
1:31
